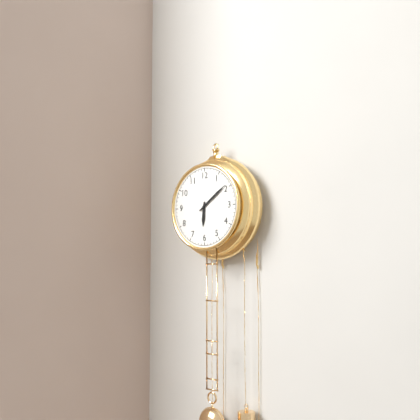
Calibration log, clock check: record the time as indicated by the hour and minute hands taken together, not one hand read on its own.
6:09
